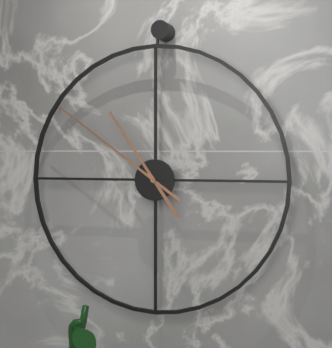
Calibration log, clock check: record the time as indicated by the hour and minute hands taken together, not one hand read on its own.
10:51
